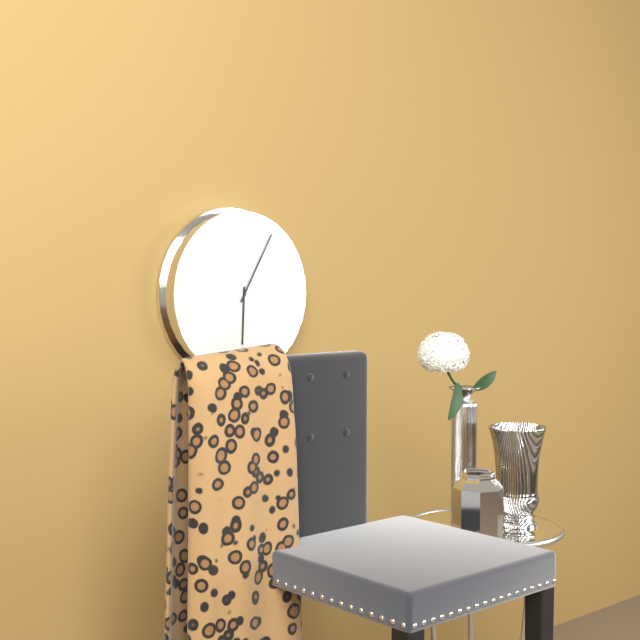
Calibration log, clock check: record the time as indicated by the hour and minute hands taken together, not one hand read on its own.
6:05
